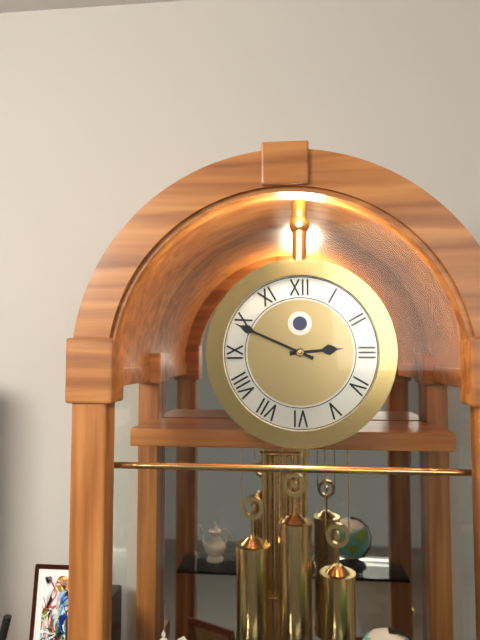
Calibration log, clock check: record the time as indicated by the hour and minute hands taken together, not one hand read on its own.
2:49
